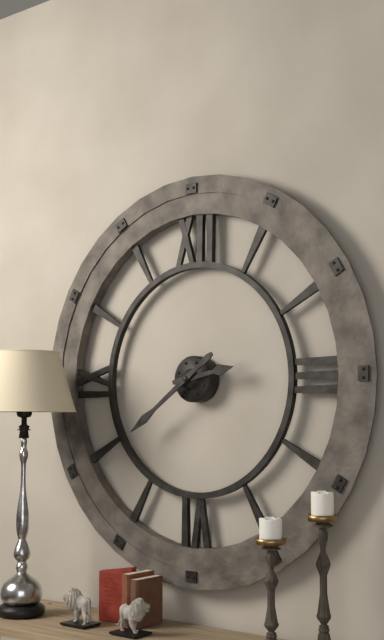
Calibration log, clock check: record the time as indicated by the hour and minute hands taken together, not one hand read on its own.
2:39
